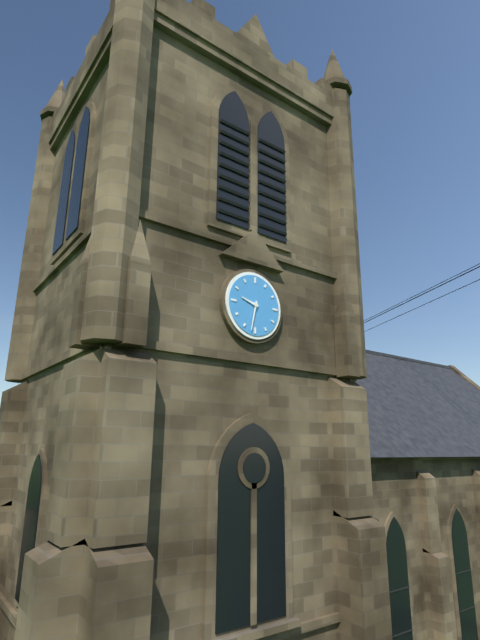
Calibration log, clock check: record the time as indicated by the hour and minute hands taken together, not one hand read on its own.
9:32
